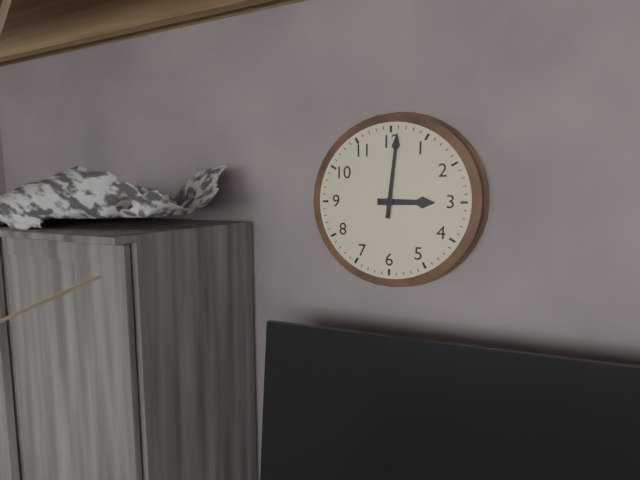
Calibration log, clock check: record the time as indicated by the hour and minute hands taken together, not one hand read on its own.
3:01
